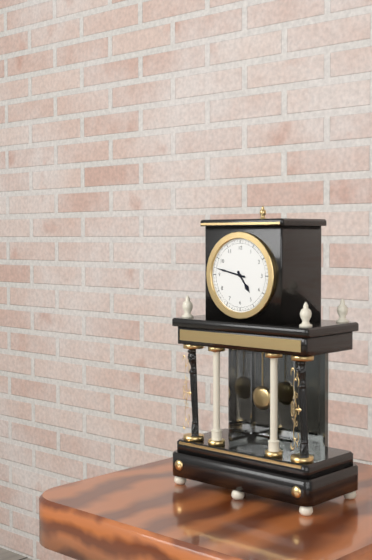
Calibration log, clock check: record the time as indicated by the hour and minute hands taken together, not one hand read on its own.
4:47
